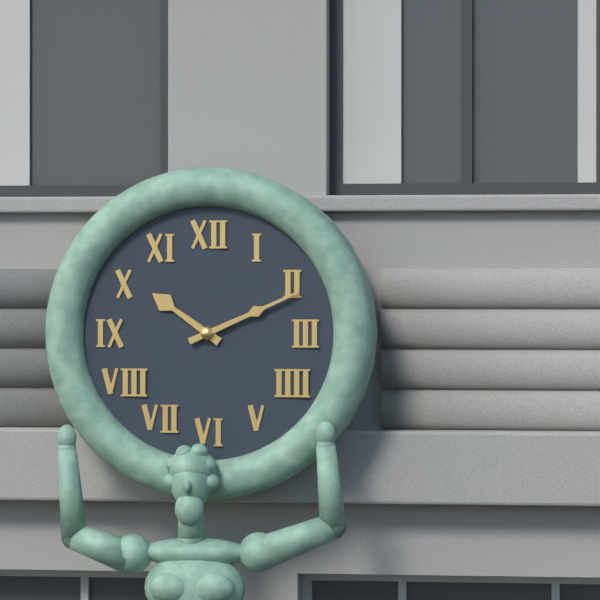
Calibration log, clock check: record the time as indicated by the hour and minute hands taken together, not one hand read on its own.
10:11
